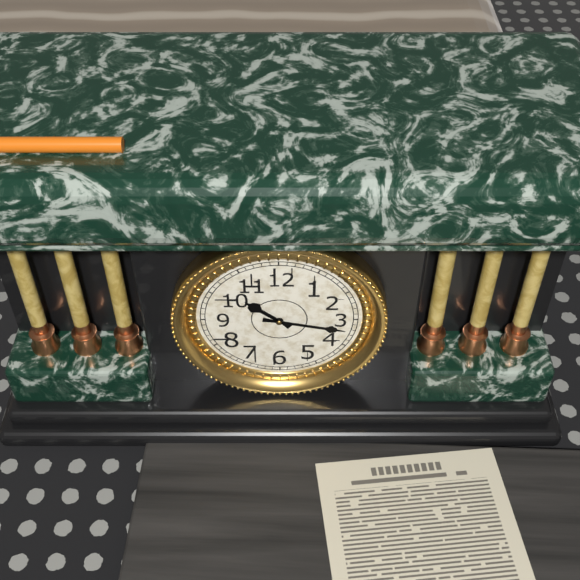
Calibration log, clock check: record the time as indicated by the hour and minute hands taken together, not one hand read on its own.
10:17
